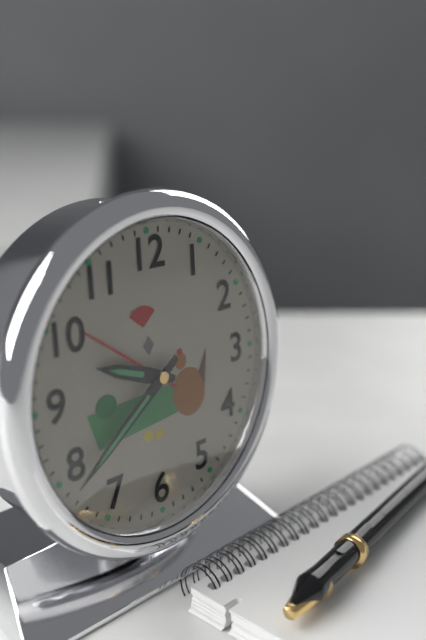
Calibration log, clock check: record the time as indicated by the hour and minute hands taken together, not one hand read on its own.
9:39
